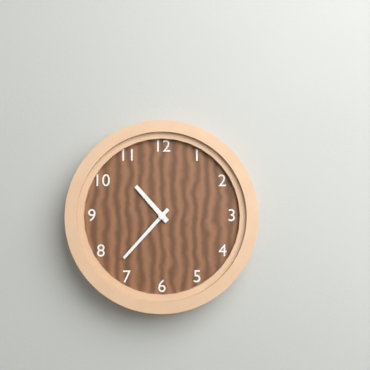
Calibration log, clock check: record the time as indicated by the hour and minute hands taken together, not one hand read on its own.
10:37
